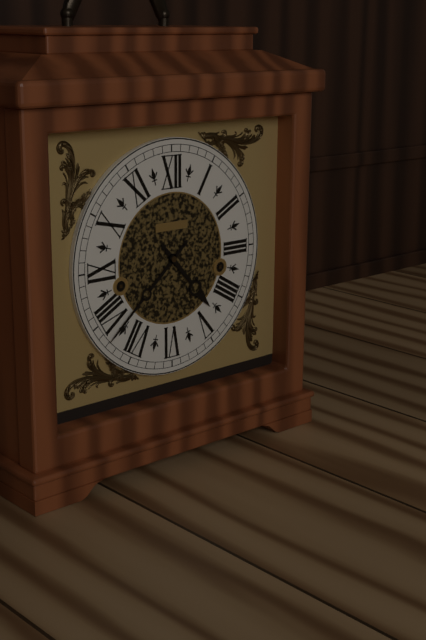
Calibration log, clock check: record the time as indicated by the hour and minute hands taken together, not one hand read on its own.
4:38
